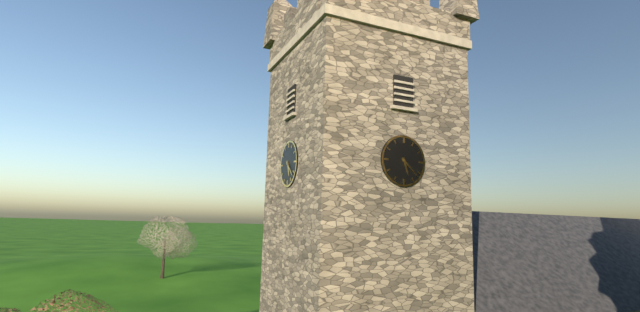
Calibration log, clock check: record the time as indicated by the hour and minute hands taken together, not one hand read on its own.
5:22
